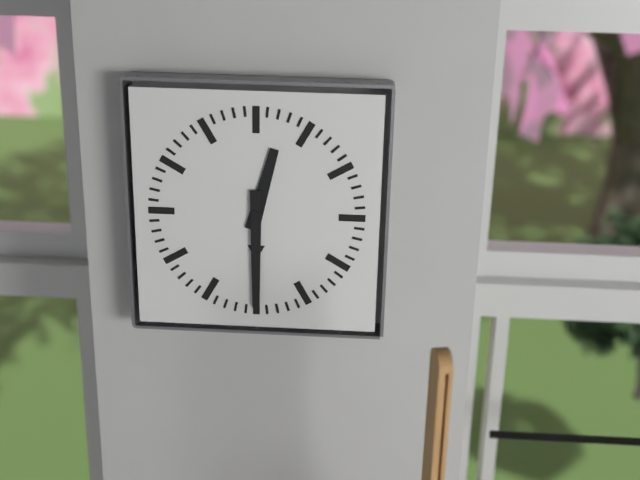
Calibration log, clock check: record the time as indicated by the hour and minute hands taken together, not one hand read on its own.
12:30
